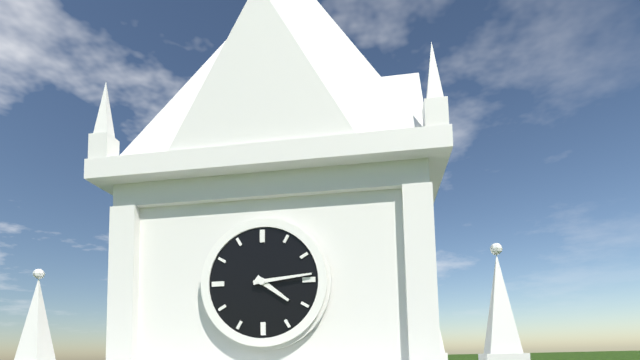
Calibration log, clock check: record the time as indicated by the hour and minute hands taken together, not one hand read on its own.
4:14
